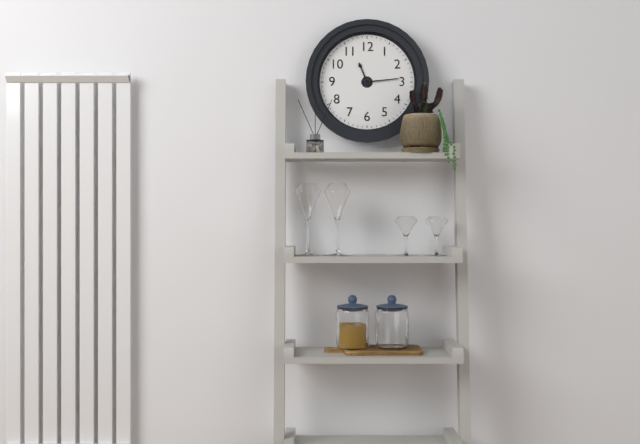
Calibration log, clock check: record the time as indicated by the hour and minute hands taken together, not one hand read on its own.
11:14
